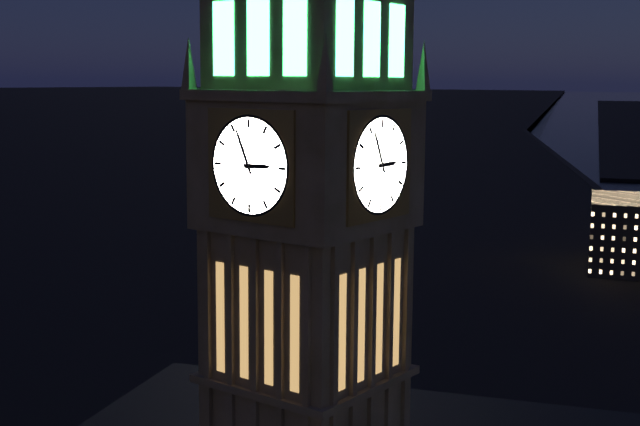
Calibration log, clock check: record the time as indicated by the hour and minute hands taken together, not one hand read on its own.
2:56
